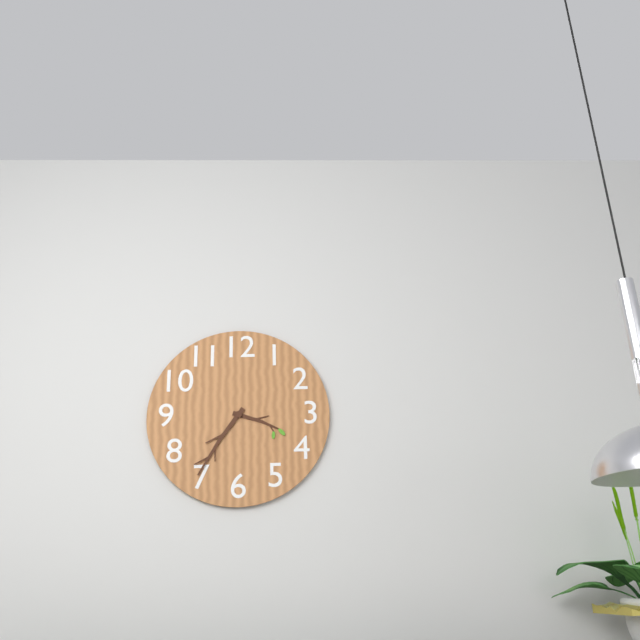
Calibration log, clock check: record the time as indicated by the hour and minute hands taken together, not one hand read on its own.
3:36
